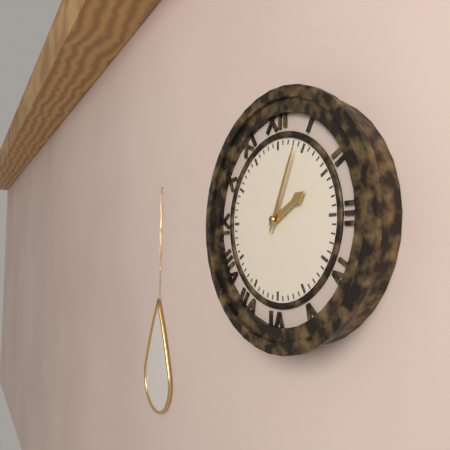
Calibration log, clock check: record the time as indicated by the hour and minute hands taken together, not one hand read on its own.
2:04
